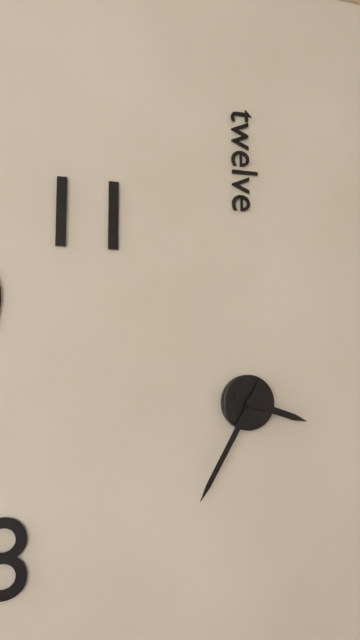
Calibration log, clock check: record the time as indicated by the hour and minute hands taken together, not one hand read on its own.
3:35
